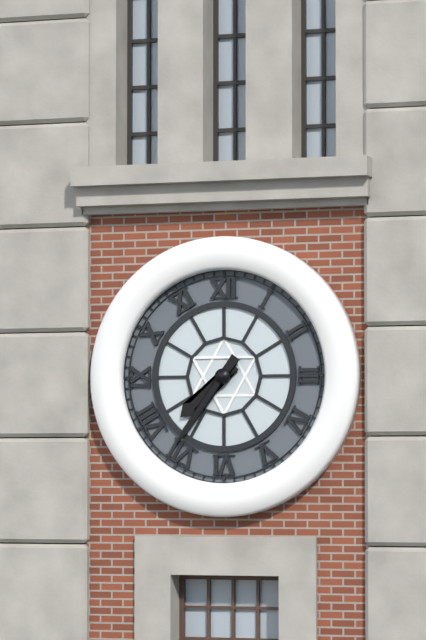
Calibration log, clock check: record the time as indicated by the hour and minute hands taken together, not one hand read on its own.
7:36
